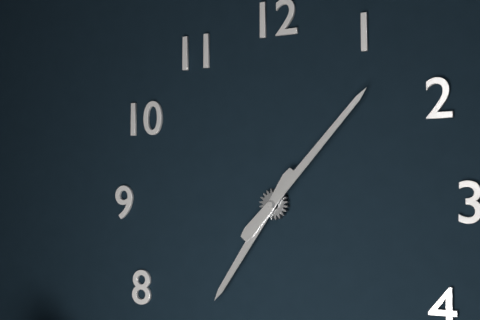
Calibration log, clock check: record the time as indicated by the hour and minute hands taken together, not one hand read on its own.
7:07
